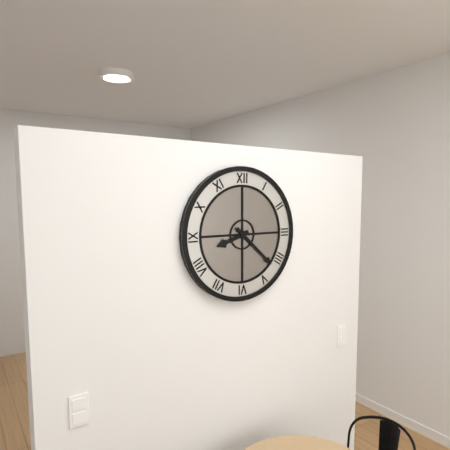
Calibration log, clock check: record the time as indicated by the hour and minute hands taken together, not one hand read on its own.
8:22
